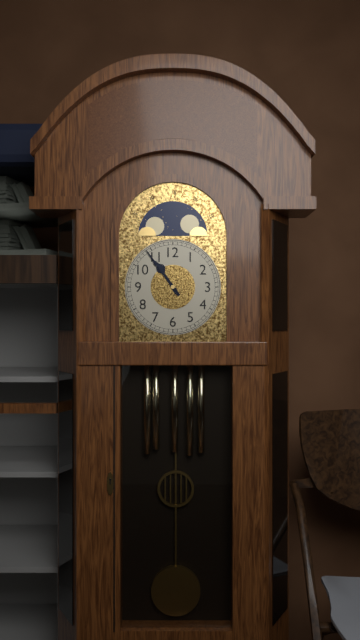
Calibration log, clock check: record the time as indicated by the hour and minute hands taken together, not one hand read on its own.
10:54
